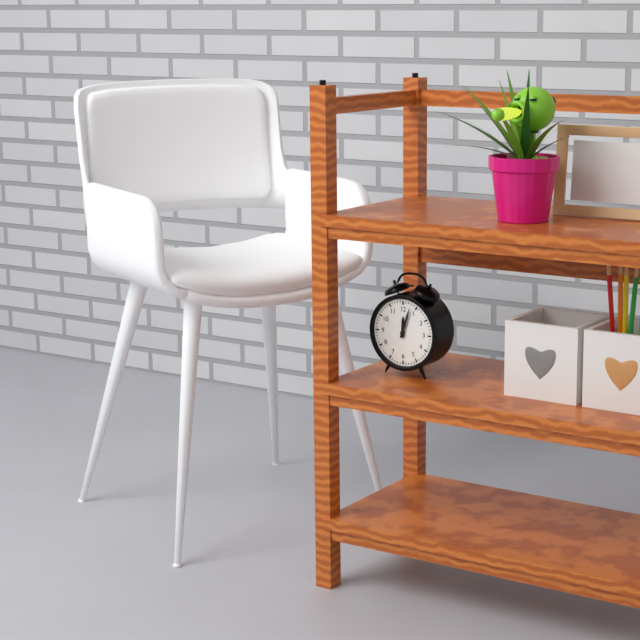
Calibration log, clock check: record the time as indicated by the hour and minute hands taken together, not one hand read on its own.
12:03
